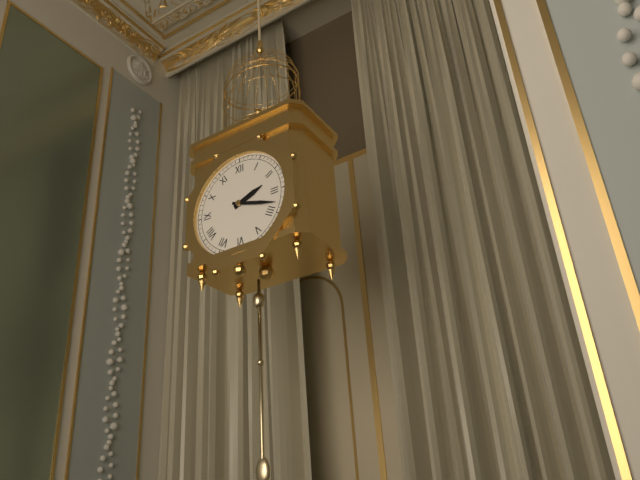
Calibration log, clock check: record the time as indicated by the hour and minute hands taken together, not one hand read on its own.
2:18
